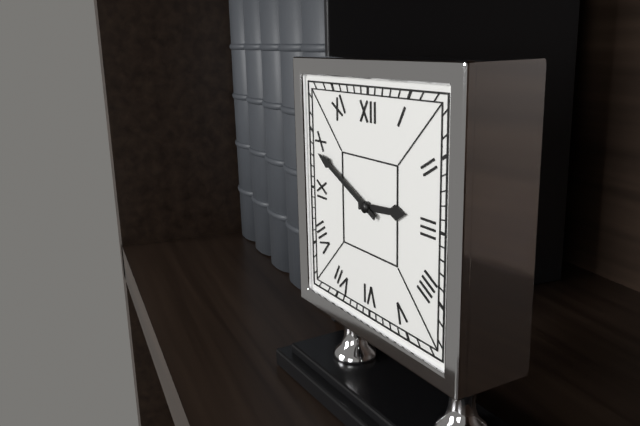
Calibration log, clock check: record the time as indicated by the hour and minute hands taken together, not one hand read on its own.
2:49
